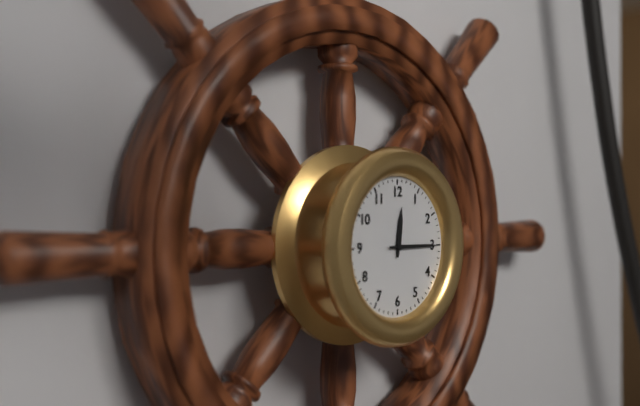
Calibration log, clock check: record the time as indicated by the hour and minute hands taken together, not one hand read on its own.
12:15
